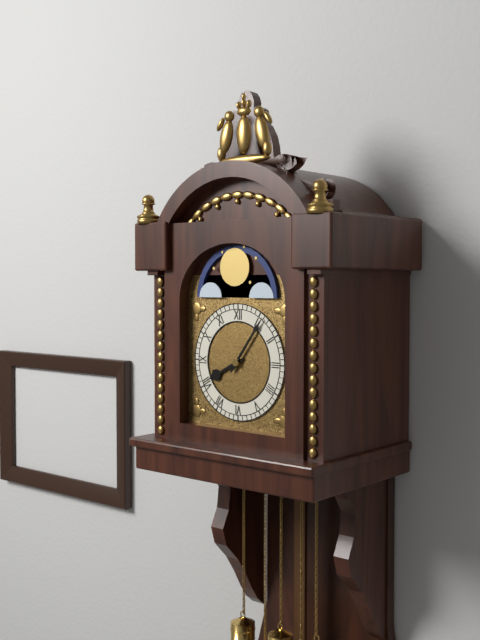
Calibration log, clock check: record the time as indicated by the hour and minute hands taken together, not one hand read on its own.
8:06
